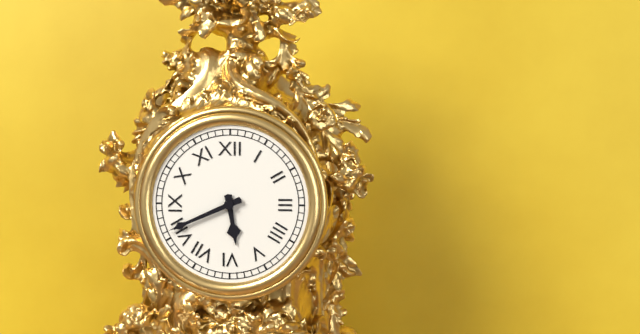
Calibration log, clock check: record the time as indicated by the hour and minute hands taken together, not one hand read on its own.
5:41
